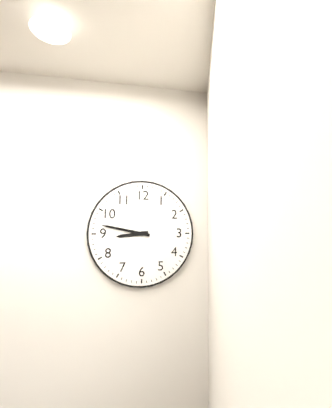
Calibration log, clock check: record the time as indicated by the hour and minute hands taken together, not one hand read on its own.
8:47
